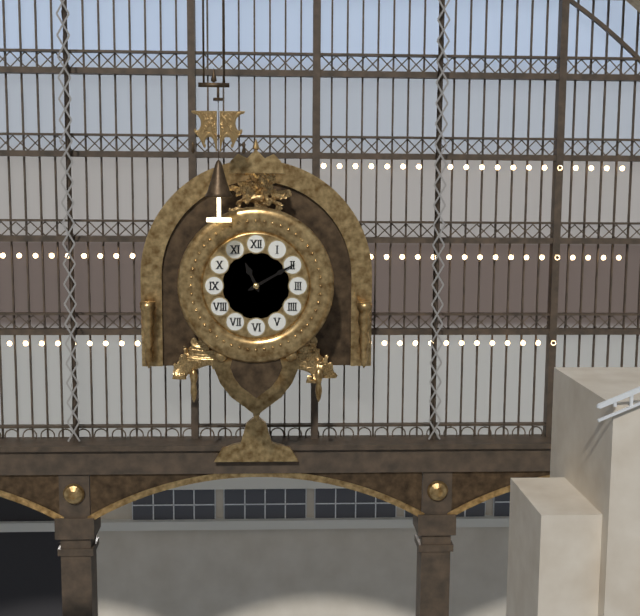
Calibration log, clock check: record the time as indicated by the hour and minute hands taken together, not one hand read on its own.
11:10
